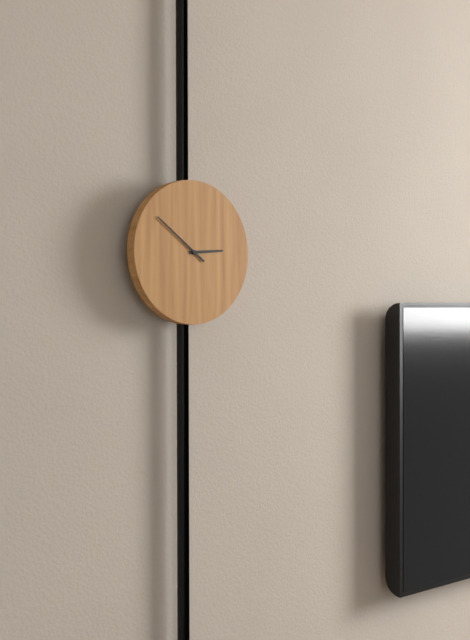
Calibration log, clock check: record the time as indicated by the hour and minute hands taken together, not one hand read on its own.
2:51
